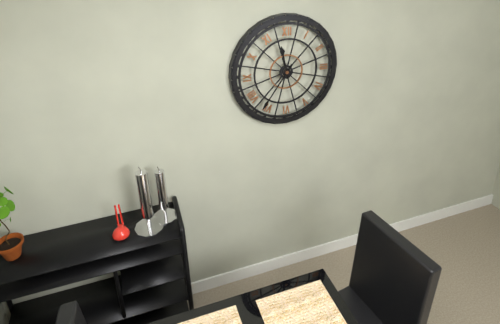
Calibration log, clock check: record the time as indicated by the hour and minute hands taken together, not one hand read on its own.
11:36
